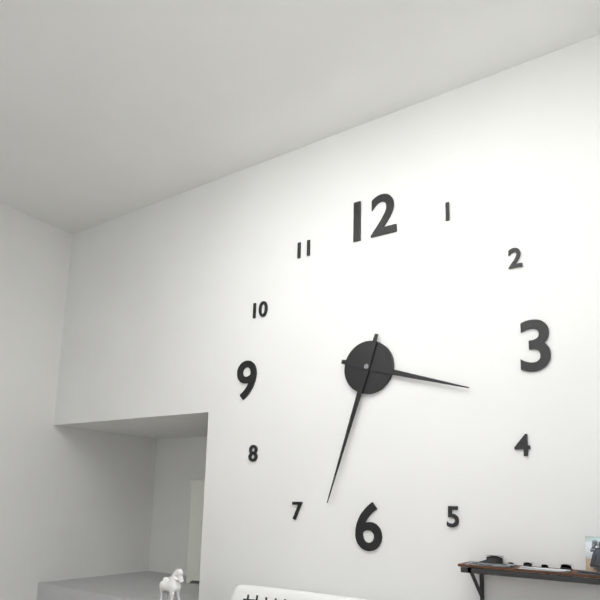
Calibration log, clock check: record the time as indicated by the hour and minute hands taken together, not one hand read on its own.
3:33
